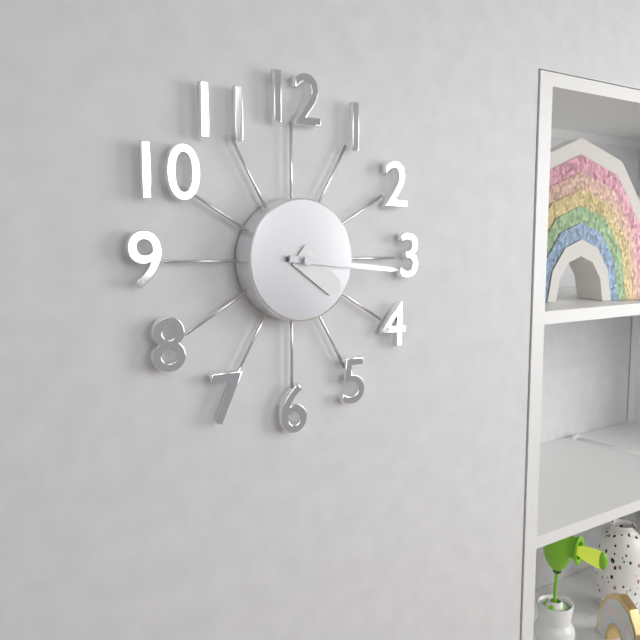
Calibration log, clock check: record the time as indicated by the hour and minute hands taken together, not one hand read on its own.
4:16
